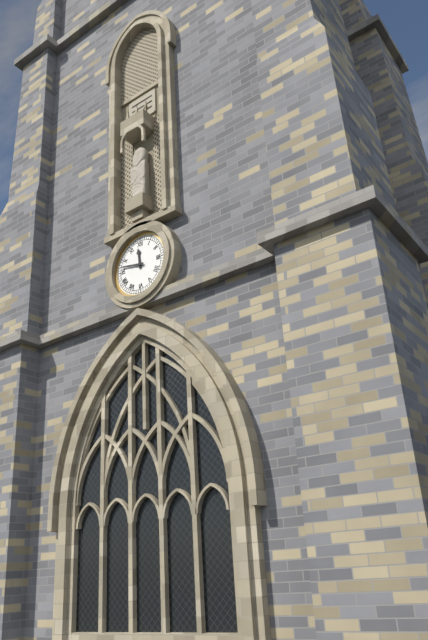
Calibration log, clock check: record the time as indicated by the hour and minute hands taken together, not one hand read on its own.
11:47
